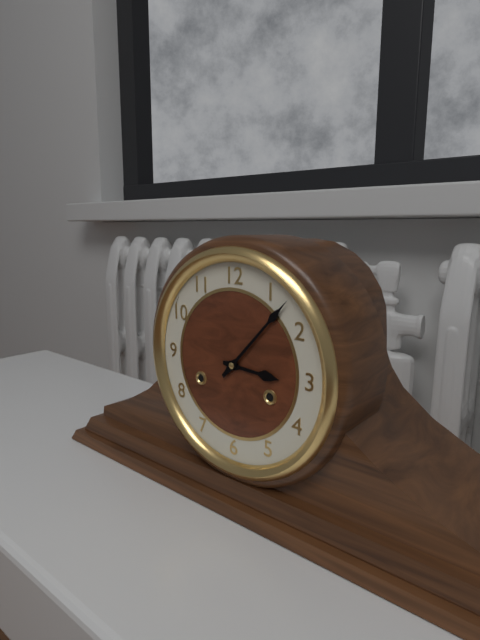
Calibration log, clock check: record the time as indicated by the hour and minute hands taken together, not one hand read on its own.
3:07
